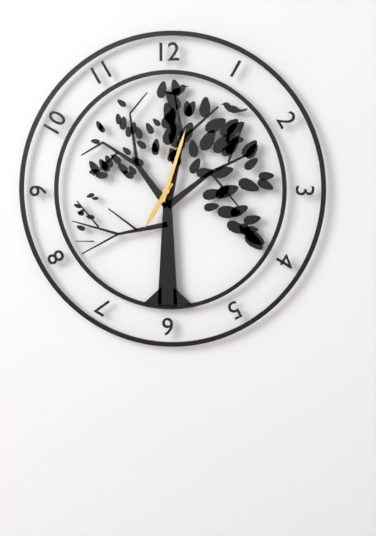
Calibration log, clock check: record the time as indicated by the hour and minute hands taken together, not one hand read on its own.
7:03
